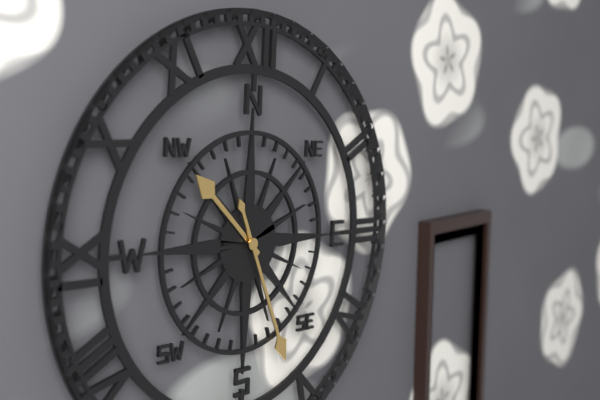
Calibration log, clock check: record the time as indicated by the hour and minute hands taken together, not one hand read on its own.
10:26
